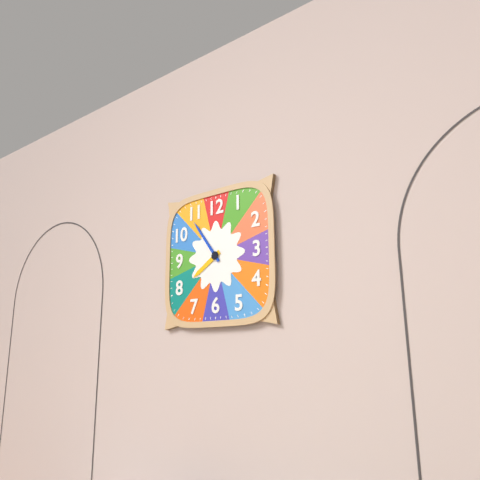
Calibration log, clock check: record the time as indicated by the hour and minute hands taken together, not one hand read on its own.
7:54
